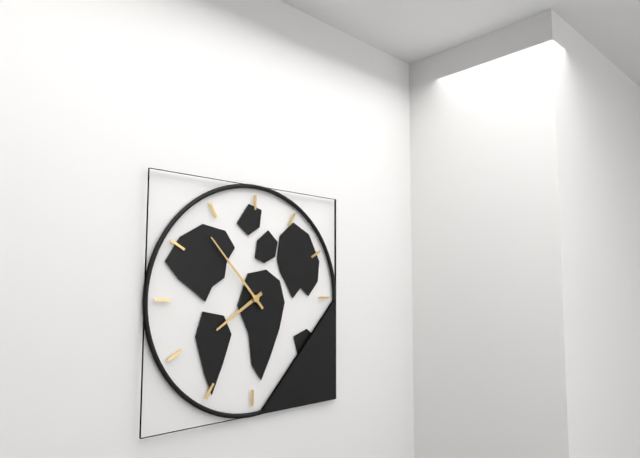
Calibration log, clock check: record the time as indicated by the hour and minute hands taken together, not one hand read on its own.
7:53
